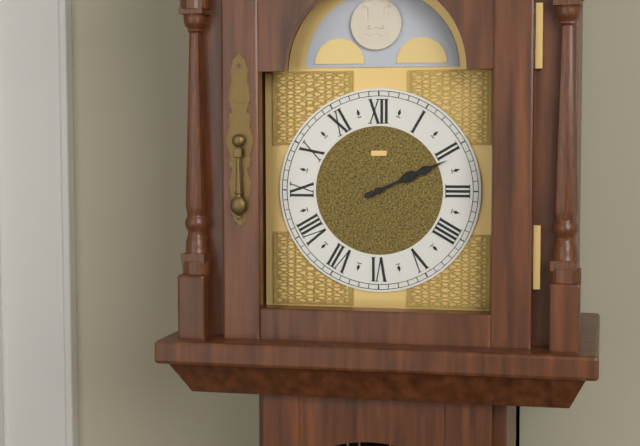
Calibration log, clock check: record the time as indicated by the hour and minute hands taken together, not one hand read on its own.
2:11
